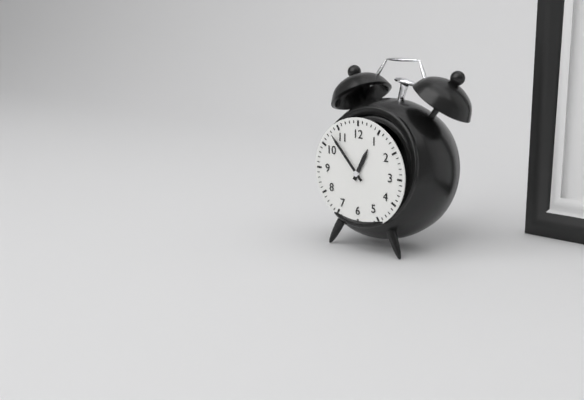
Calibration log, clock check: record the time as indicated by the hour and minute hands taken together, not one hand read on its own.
12:53
